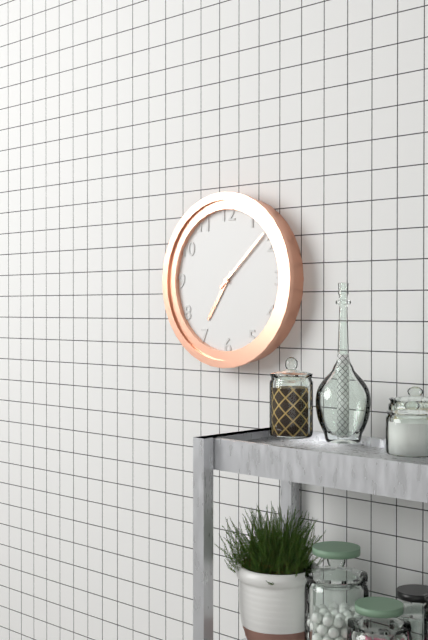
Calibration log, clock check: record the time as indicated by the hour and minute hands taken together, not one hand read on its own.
7:08
